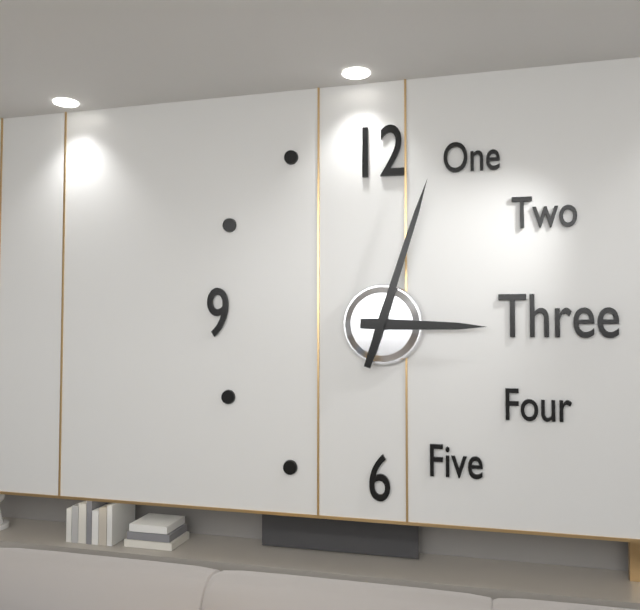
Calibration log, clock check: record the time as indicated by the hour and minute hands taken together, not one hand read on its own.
3:03
